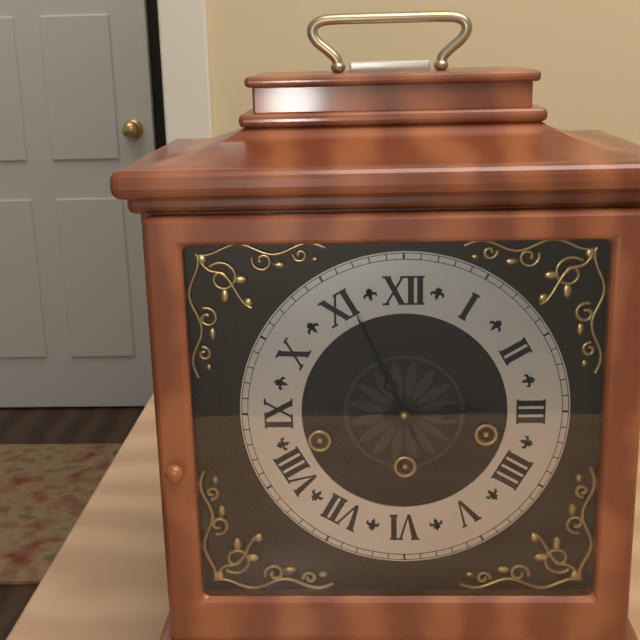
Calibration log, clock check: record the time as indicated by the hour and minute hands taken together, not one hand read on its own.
2:56
